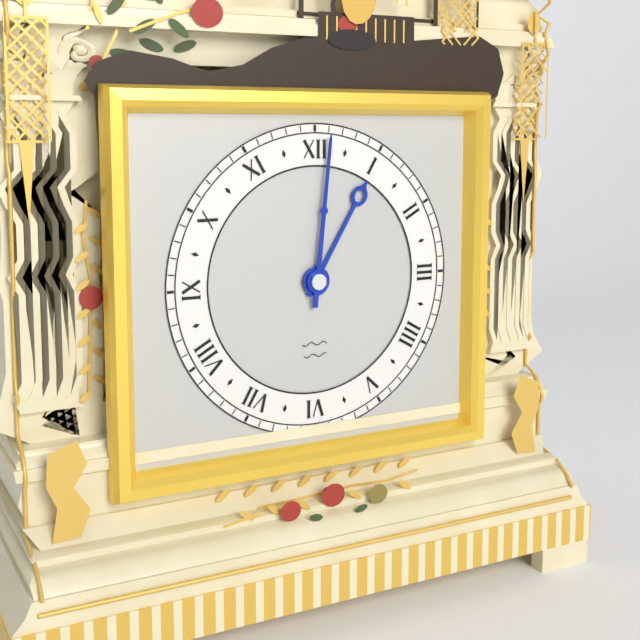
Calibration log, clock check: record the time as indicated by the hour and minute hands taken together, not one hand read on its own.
1:01
